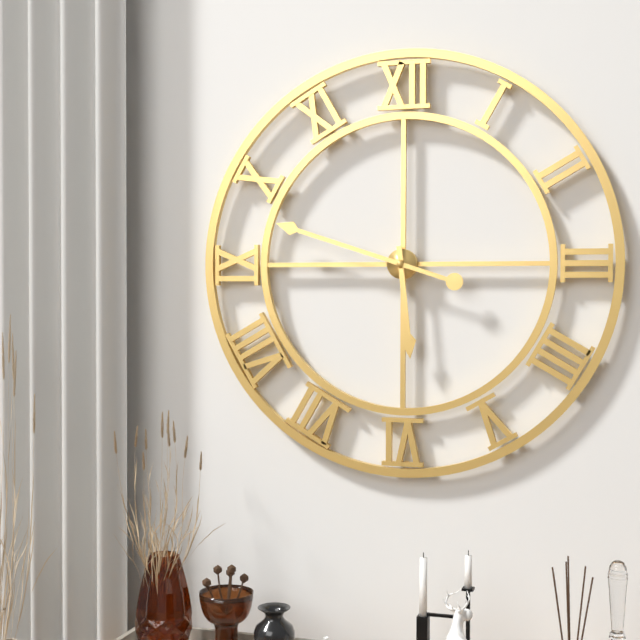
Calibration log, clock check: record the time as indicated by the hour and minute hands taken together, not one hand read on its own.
5:48
